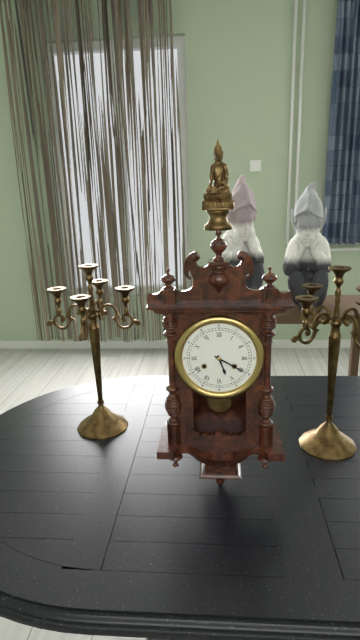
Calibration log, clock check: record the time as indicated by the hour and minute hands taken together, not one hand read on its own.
5:20
